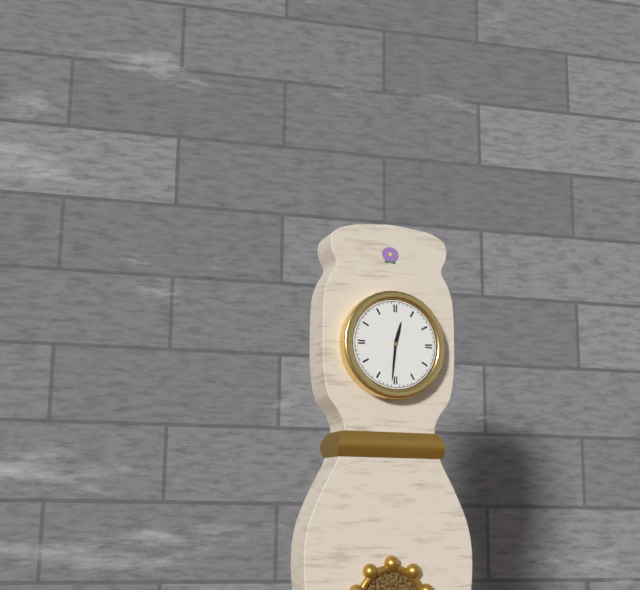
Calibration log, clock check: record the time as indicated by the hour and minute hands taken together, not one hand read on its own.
12:31
